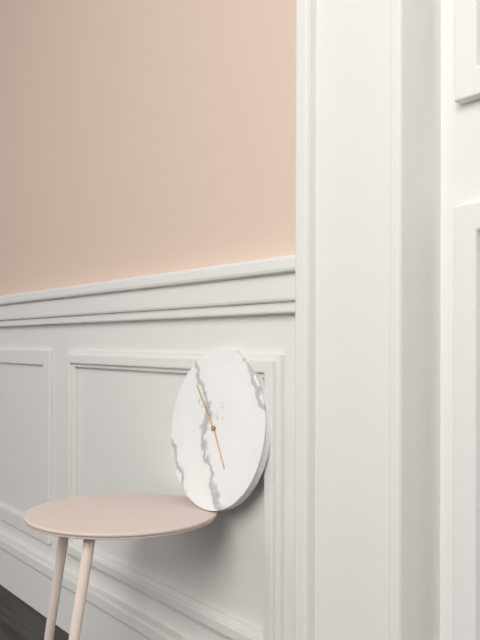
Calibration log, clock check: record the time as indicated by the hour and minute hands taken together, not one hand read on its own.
4:53
